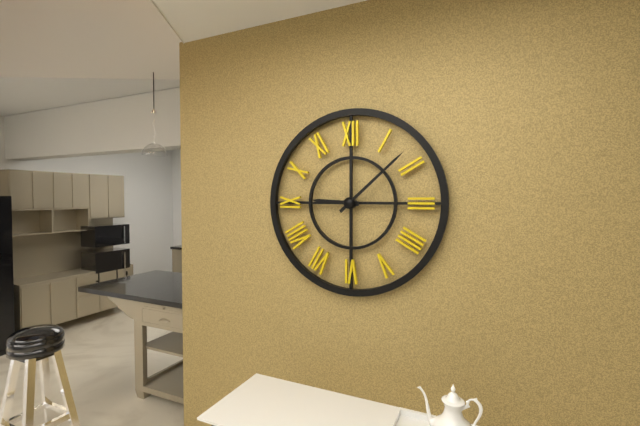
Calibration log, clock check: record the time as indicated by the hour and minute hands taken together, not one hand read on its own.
9:08
